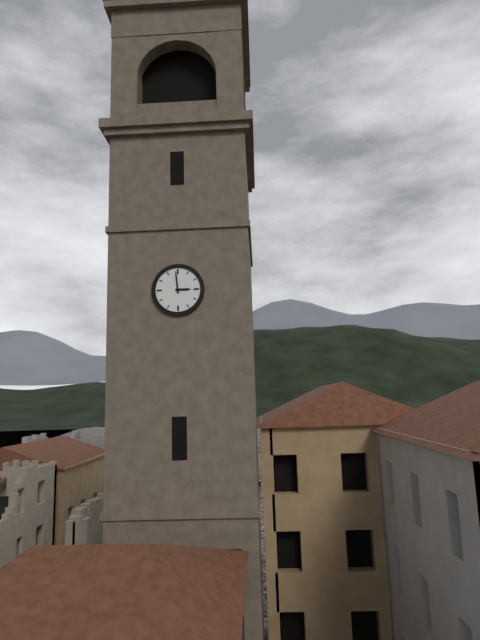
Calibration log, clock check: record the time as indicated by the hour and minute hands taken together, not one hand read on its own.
2:59
